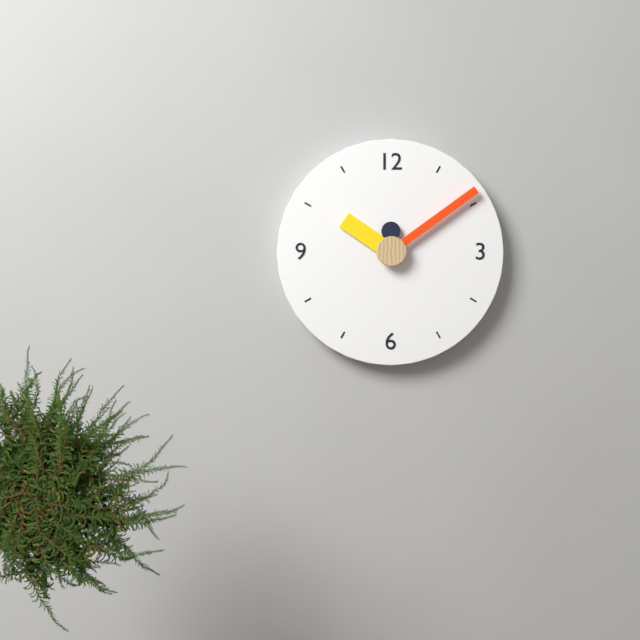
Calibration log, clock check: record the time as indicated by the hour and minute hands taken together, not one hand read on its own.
10:09
